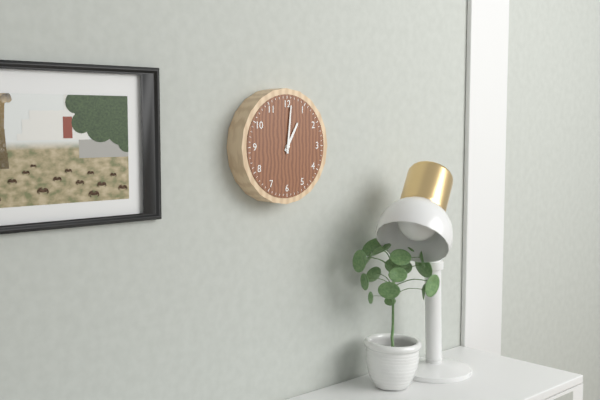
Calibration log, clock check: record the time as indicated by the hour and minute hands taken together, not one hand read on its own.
1:01
